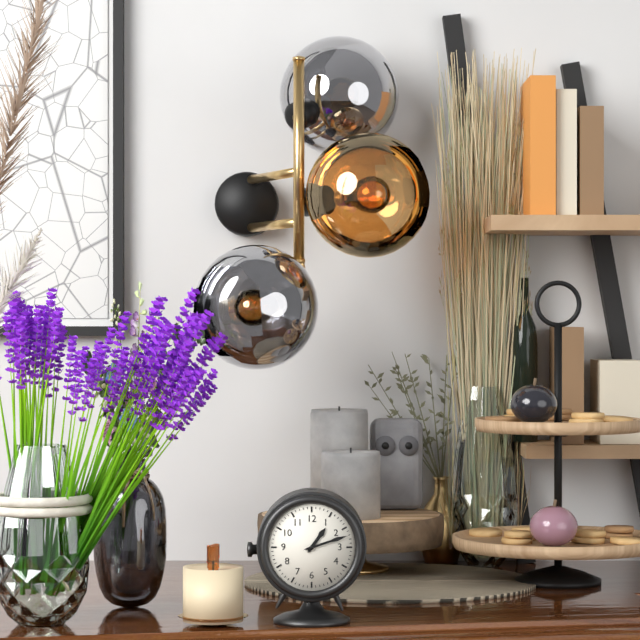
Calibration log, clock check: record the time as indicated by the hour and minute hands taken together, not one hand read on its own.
1:12
